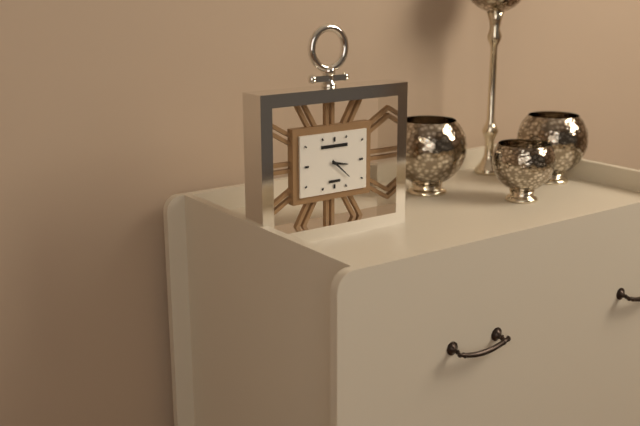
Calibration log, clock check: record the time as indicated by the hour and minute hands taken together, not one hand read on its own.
3:22
